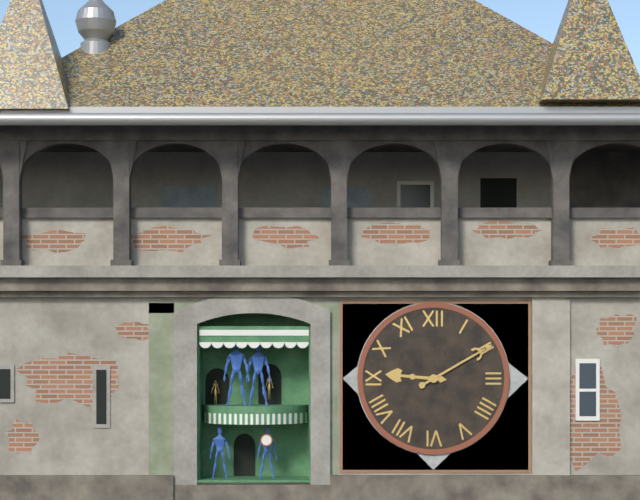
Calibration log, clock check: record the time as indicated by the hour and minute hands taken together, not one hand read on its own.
9:10
